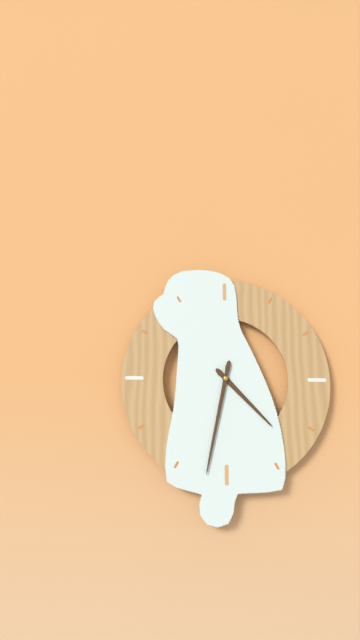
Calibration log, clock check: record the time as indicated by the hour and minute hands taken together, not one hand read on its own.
4:32
